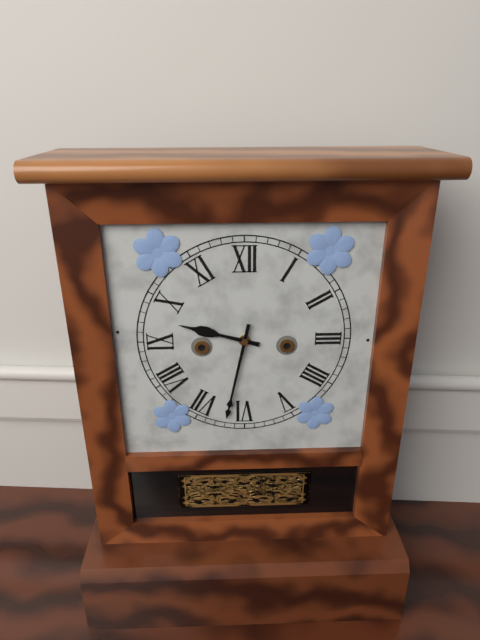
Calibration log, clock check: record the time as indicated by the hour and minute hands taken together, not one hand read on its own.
9:32
